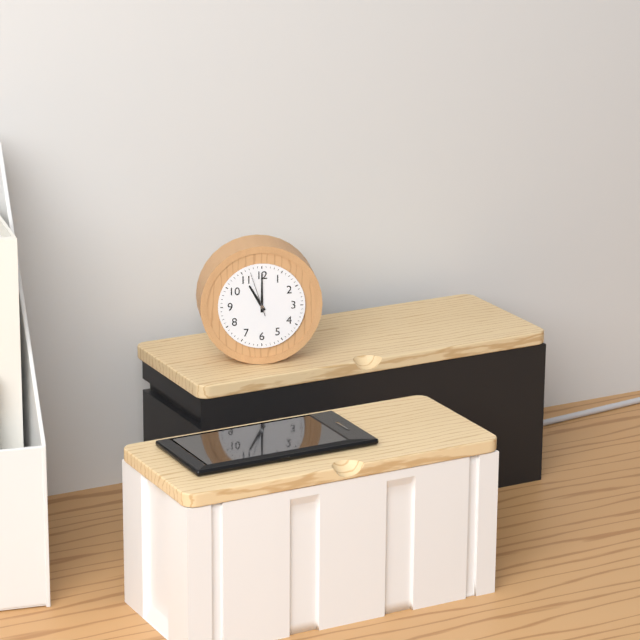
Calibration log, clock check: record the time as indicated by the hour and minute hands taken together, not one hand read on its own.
11:00
